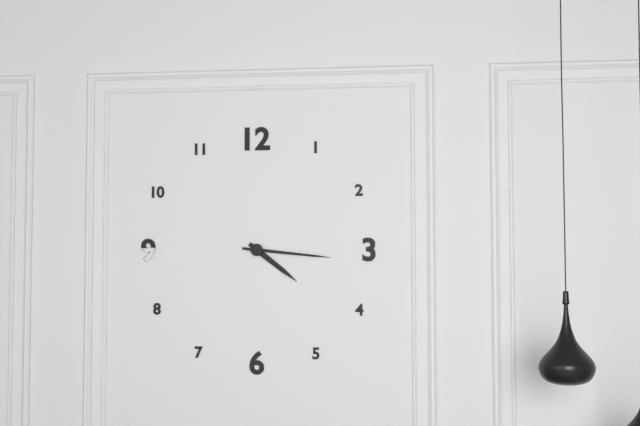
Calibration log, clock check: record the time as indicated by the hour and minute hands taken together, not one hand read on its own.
4:16
